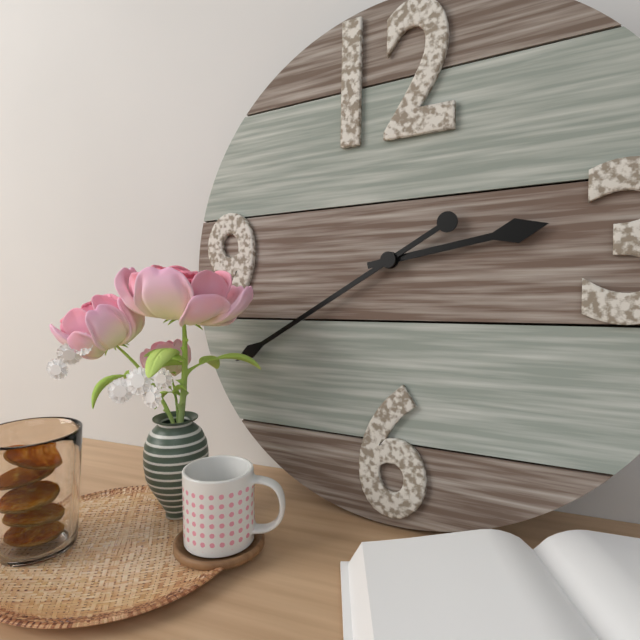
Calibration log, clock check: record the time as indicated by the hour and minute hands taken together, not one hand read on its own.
2:40
